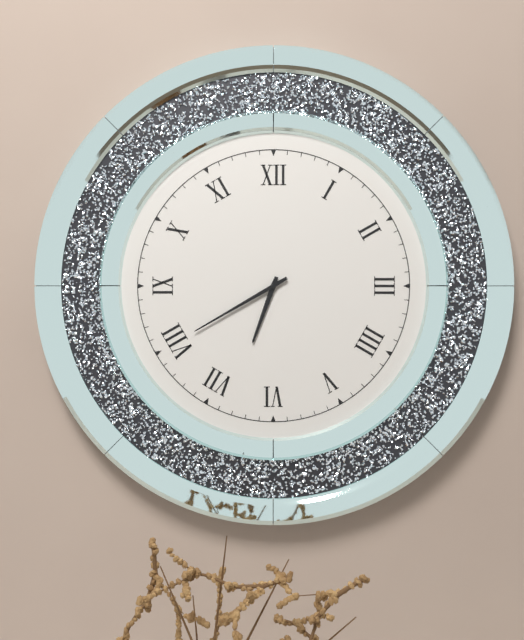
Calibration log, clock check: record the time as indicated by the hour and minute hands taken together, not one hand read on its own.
6:40
